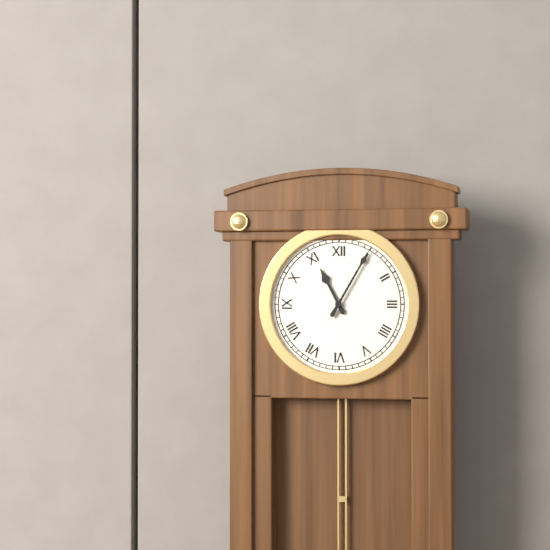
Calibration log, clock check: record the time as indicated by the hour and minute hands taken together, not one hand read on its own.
11:05
